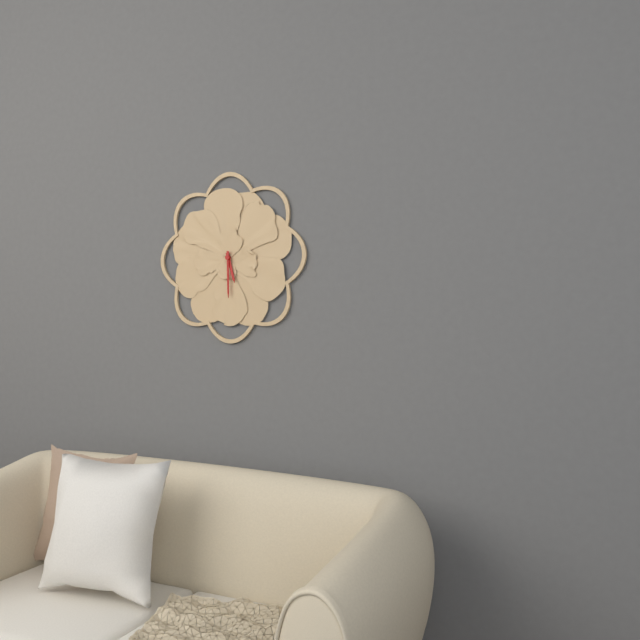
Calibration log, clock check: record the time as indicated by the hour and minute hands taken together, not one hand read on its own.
5:30
